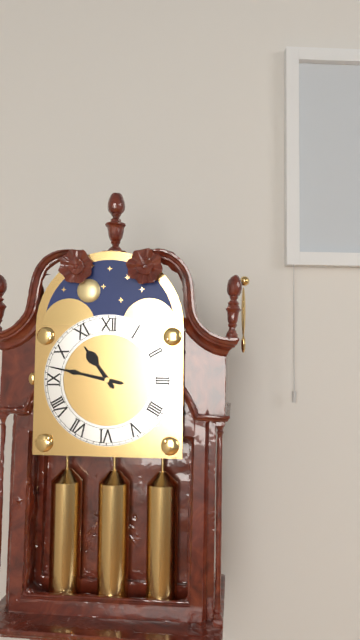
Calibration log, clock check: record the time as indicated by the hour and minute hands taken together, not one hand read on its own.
10:47
